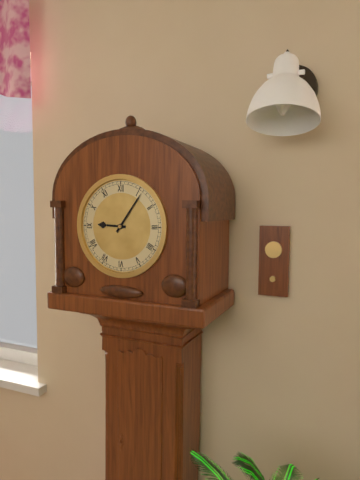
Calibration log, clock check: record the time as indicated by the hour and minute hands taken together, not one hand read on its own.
9:06
